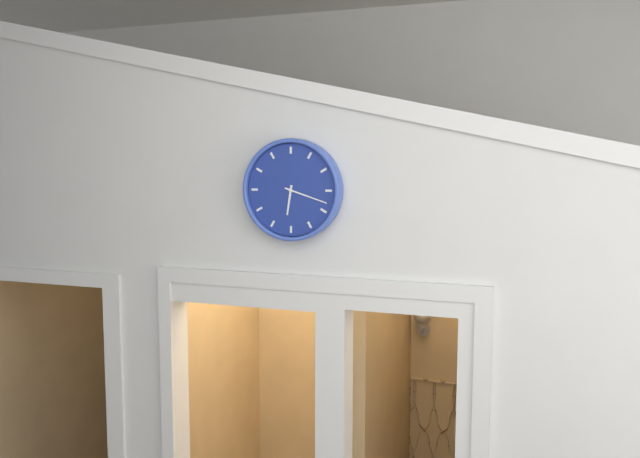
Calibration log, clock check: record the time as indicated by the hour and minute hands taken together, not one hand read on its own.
6:18
